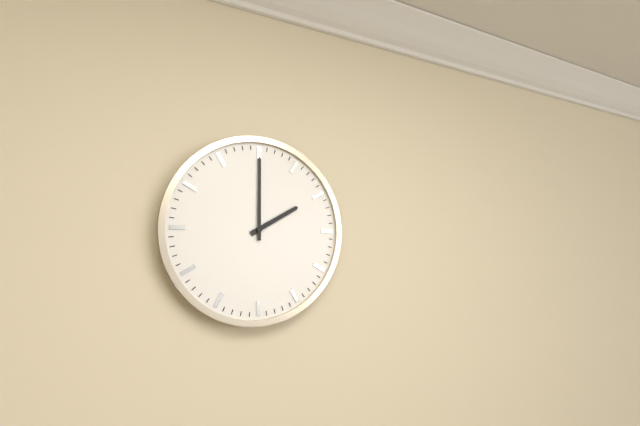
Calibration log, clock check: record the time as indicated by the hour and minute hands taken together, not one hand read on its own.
2:00
